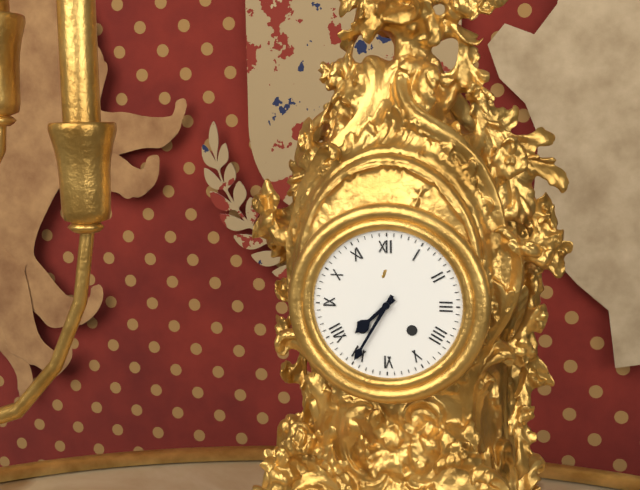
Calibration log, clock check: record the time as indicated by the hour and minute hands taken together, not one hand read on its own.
7:35
